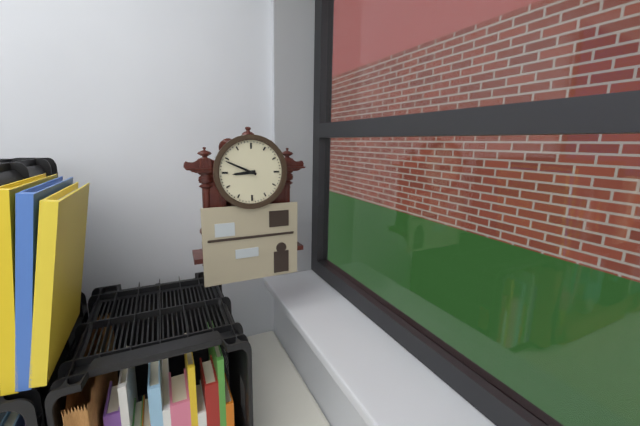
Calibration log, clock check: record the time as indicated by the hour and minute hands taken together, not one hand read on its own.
8:49
